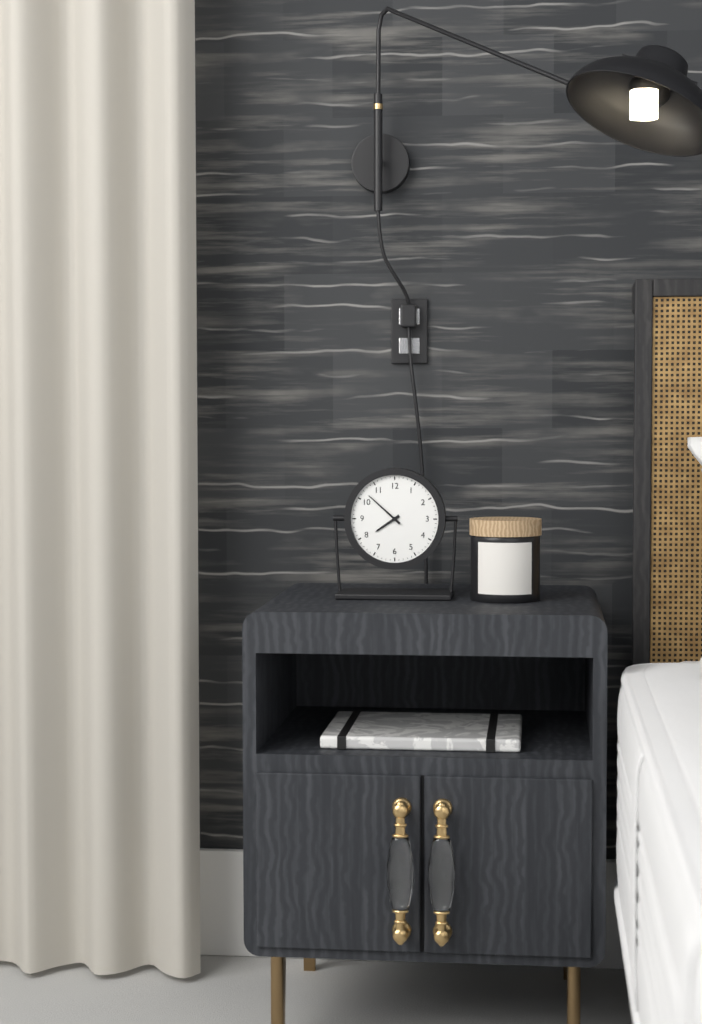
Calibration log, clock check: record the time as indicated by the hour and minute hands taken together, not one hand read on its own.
7:52
